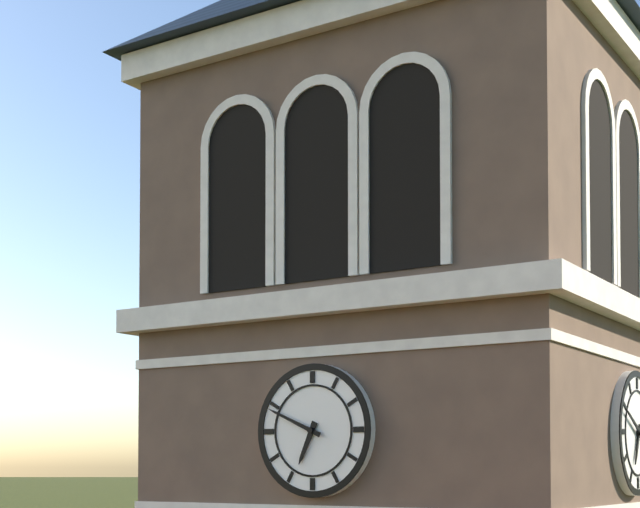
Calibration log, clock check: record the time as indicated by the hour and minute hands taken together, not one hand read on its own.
6:49
